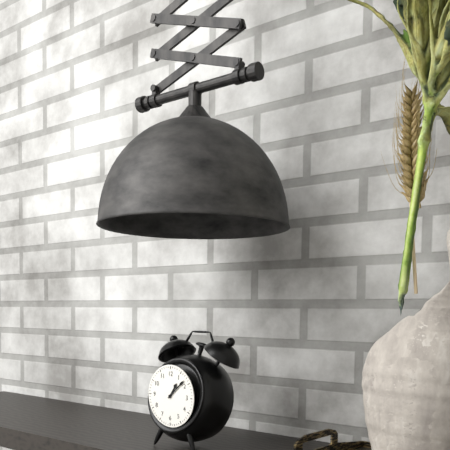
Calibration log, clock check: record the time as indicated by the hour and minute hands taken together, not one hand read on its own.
1:08
